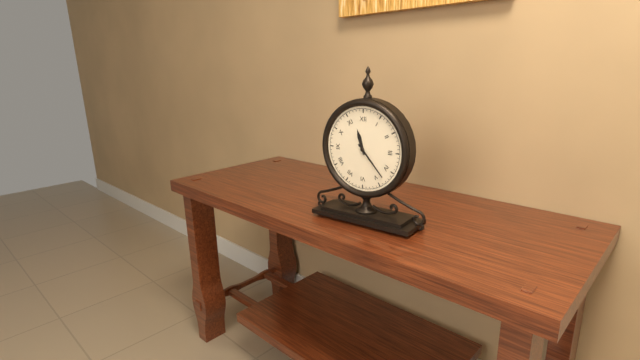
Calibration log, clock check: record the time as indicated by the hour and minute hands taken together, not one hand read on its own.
11:23
